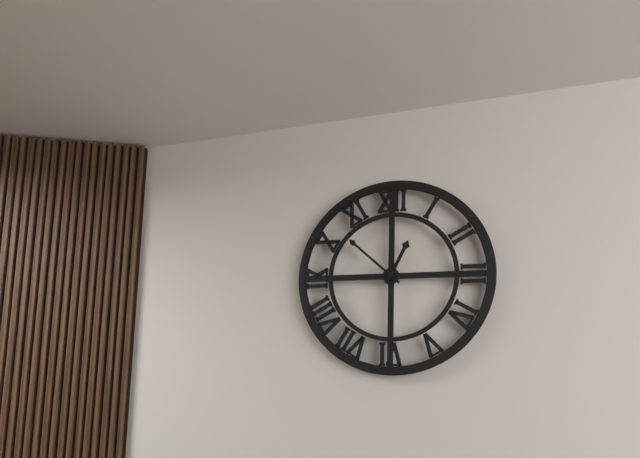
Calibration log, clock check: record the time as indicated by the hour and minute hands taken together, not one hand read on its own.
12:52
